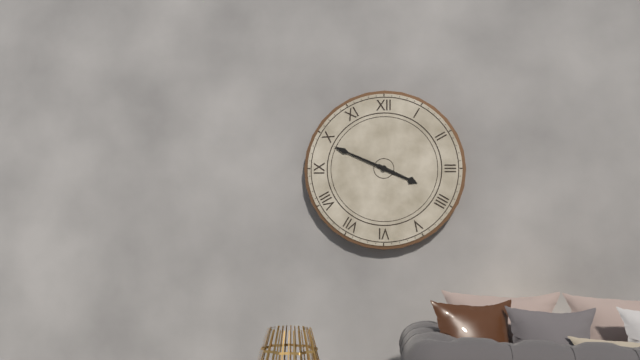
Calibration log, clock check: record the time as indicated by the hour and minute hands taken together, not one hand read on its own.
3:49
